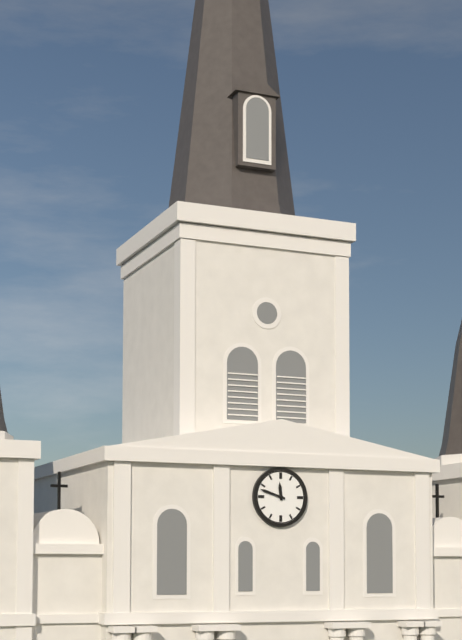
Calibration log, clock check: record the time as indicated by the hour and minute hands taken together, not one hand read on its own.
11:48
